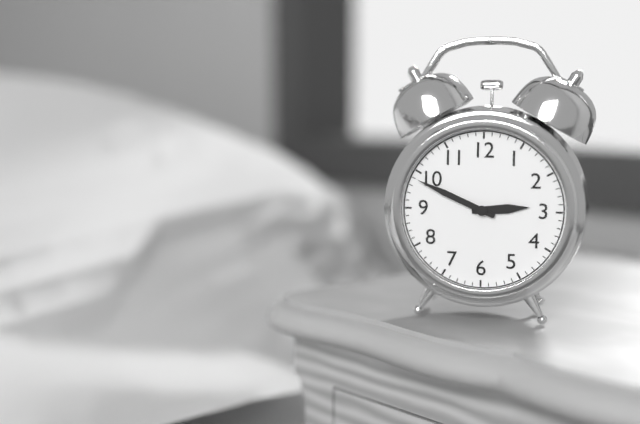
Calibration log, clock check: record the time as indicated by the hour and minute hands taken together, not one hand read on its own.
2:49
